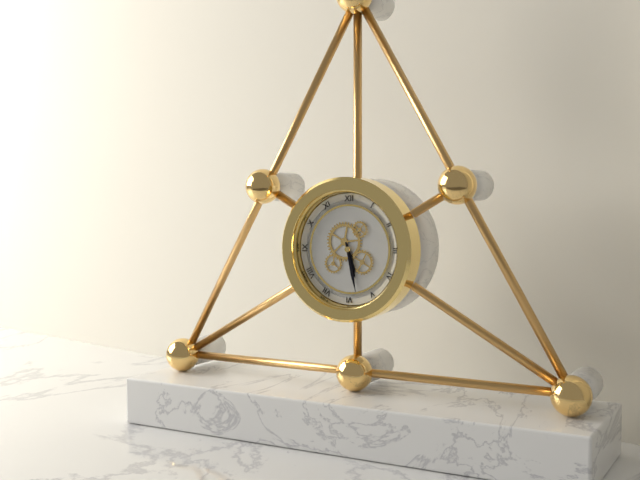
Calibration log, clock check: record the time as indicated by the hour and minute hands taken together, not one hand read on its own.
5:28
